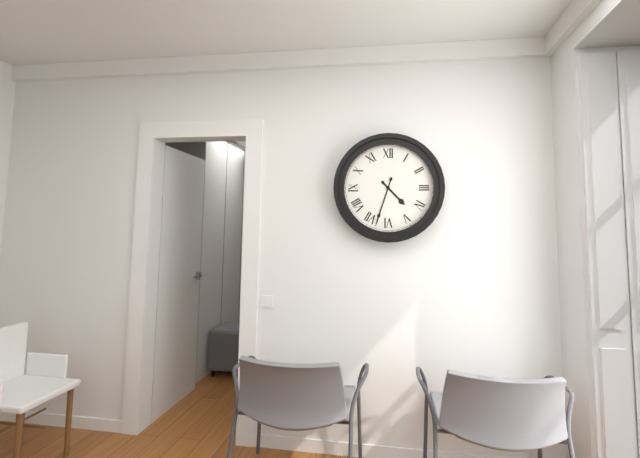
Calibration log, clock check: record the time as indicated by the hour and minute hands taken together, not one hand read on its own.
4:33
